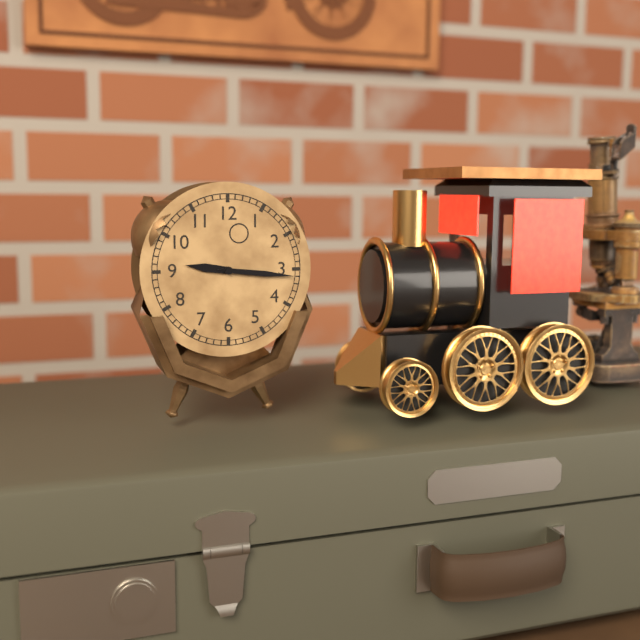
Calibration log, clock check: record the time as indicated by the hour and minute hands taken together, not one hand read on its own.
9:16
